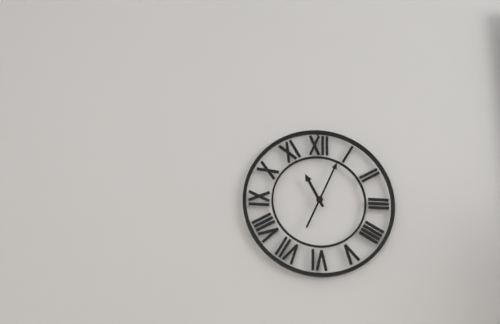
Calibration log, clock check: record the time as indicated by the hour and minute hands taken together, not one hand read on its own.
11:04
